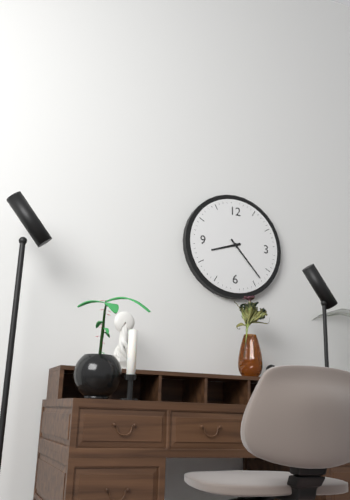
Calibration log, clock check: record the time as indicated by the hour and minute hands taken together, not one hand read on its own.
8:23
